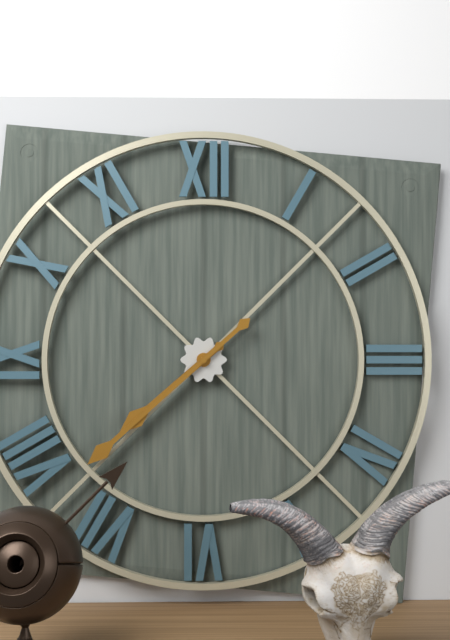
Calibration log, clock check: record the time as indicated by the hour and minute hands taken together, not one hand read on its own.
7:38
